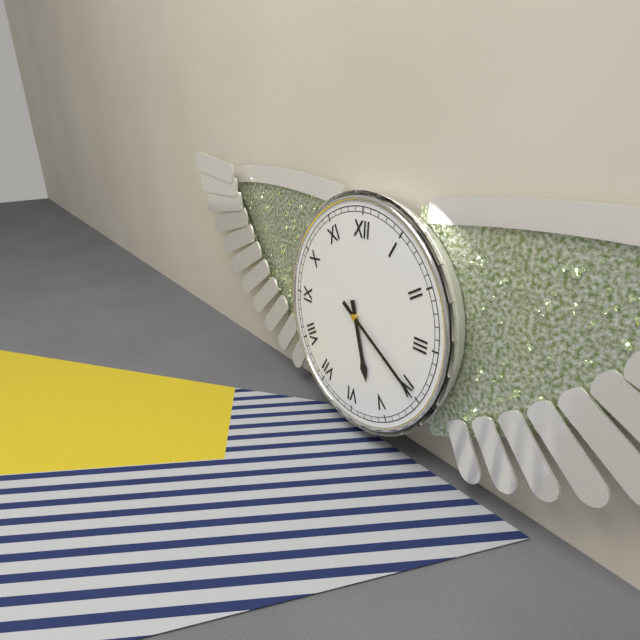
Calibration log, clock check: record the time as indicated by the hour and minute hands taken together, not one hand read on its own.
5:20
